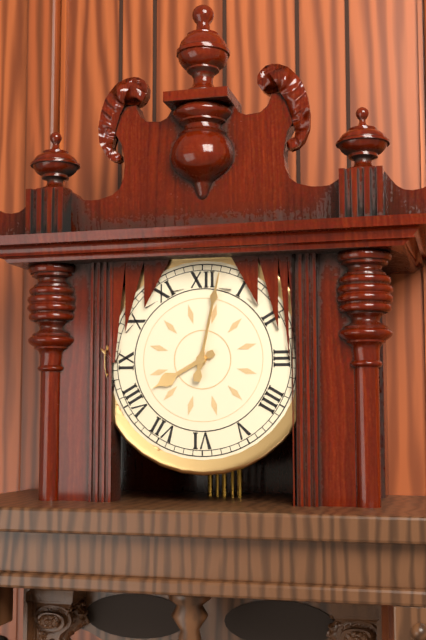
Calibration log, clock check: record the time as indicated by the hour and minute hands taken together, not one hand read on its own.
8:02
